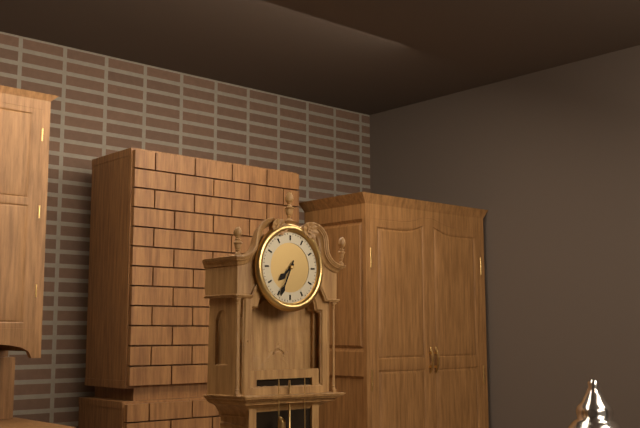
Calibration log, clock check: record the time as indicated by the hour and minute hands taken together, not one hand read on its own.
7:34
